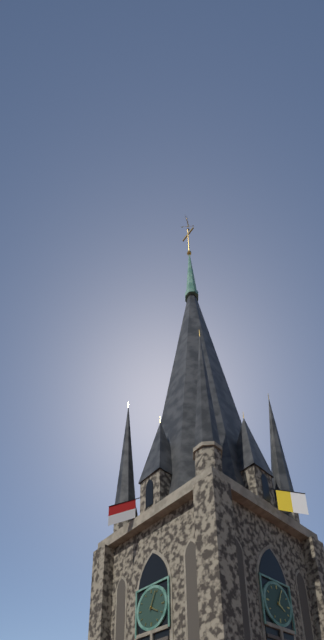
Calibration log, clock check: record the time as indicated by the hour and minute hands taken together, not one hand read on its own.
4:04
